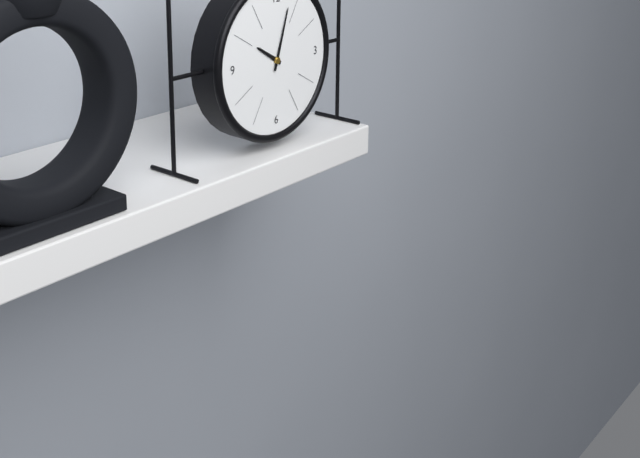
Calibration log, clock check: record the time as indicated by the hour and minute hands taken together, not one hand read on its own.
10:03
